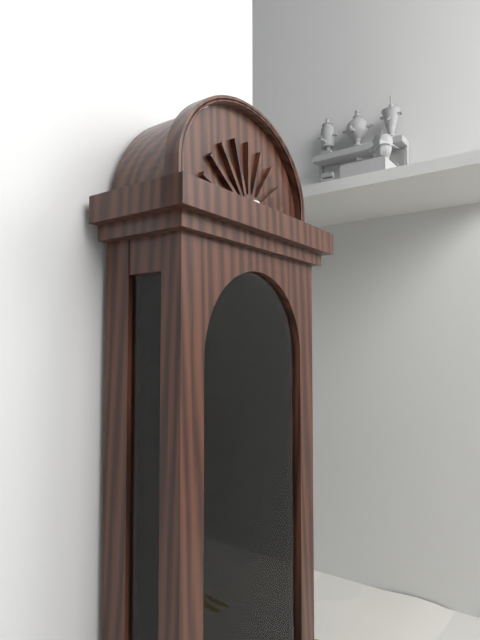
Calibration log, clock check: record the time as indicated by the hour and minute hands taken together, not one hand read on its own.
10:38
